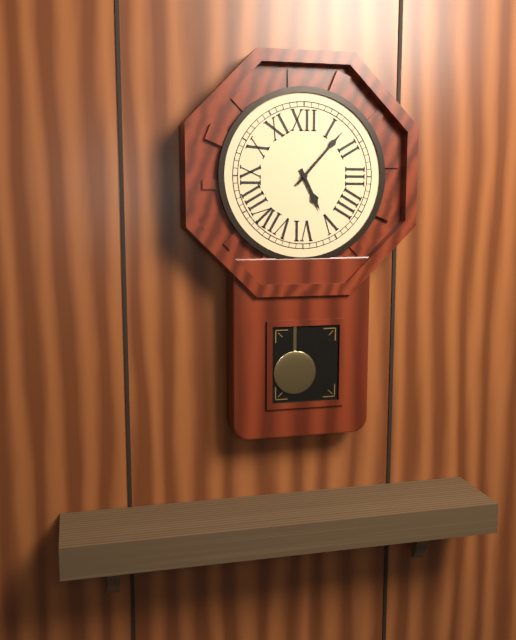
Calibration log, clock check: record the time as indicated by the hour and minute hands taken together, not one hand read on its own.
5:07
